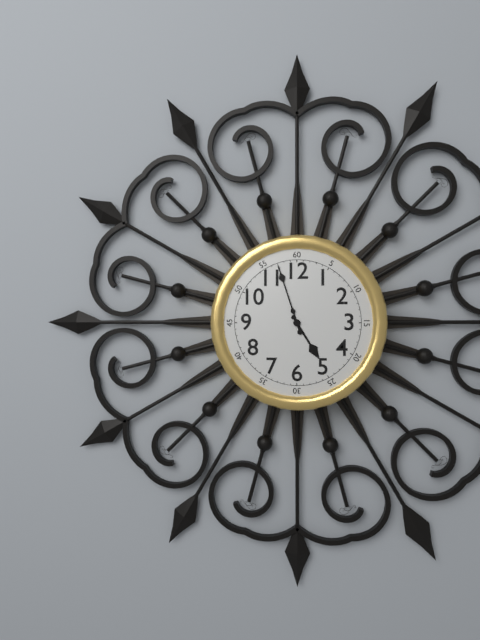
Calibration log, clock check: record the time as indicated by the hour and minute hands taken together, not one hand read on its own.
4:57
